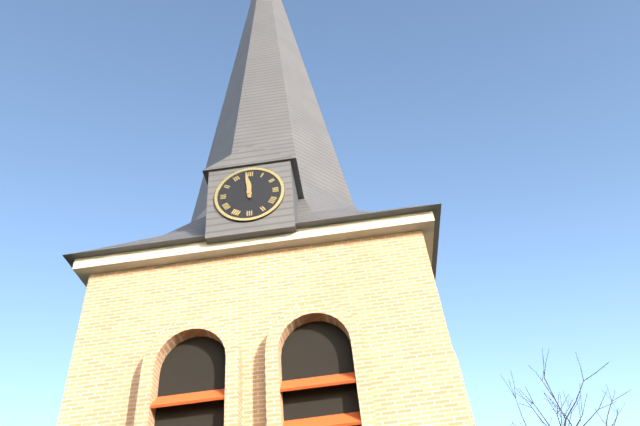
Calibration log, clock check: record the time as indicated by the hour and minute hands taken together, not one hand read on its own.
11:59
